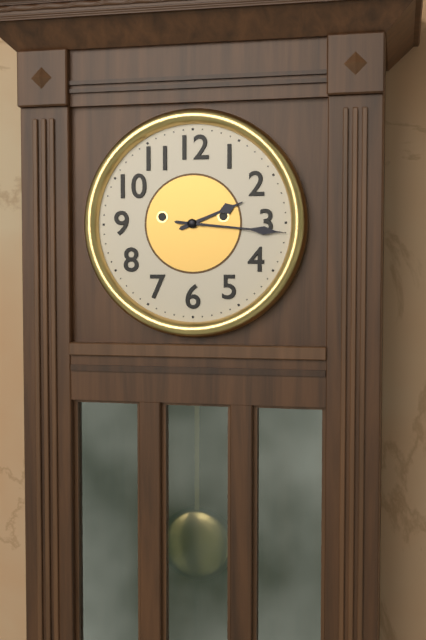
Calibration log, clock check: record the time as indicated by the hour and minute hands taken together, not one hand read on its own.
2:16
